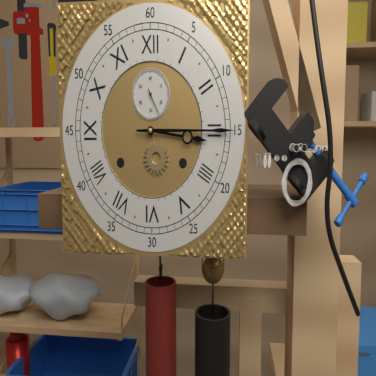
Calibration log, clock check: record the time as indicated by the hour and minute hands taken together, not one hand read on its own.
3:15
